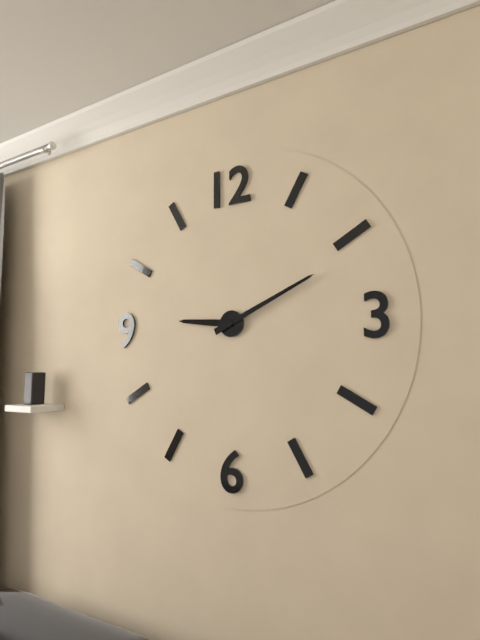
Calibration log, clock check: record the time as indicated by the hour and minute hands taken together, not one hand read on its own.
9:11
